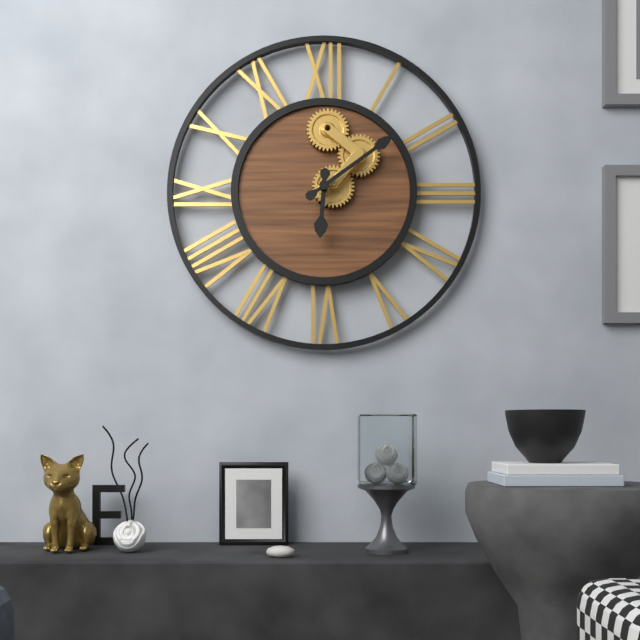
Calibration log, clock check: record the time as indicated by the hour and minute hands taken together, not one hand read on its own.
6:09
